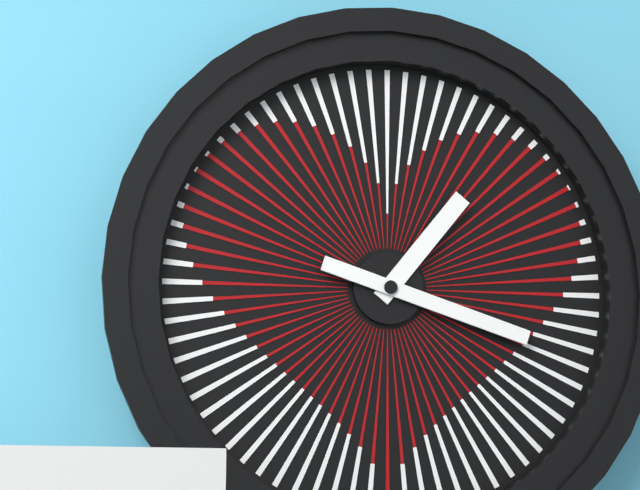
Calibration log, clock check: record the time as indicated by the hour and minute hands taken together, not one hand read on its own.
1:18
